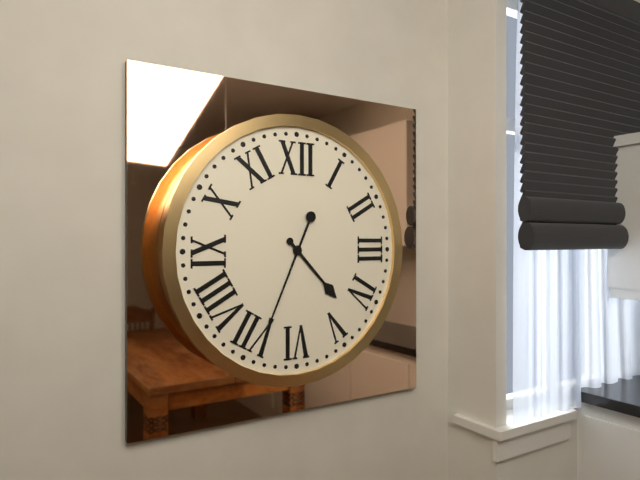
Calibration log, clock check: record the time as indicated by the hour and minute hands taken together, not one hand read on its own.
4:34
